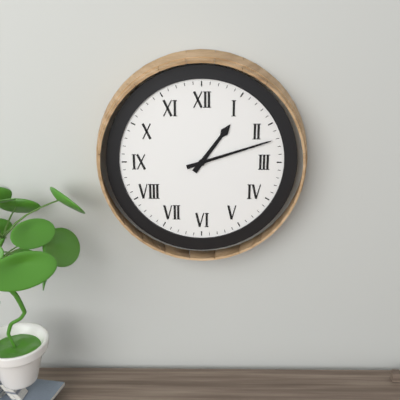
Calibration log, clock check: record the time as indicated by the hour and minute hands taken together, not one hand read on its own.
1:12
